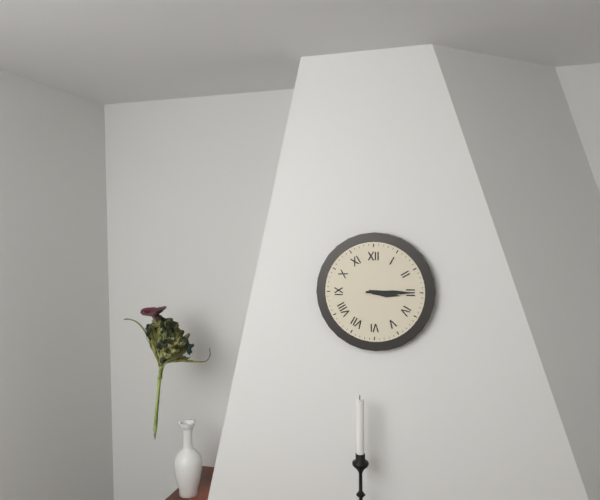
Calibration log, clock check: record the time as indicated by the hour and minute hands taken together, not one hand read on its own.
3:15
